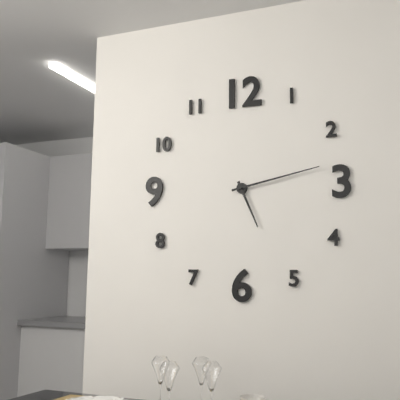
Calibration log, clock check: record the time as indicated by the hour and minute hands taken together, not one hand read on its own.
5:13
